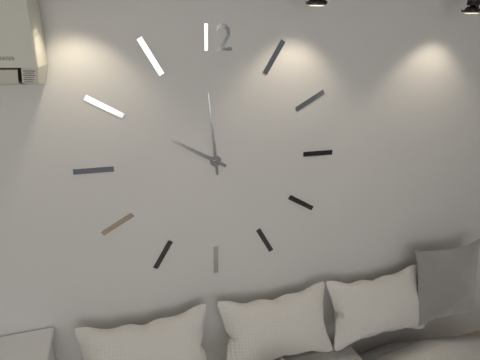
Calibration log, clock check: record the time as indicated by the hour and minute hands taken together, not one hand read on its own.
9:59
